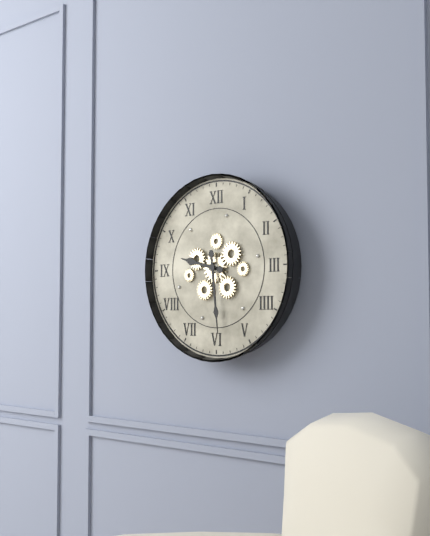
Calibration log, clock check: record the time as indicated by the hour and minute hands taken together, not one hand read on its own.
9:29
